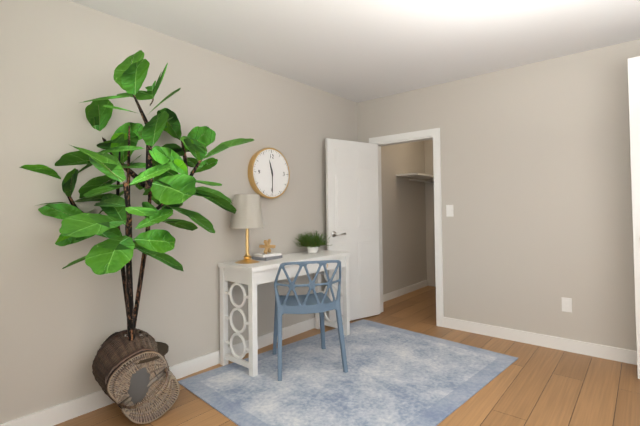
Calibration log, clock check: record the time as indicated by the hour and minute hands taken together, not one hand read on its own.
11:30
